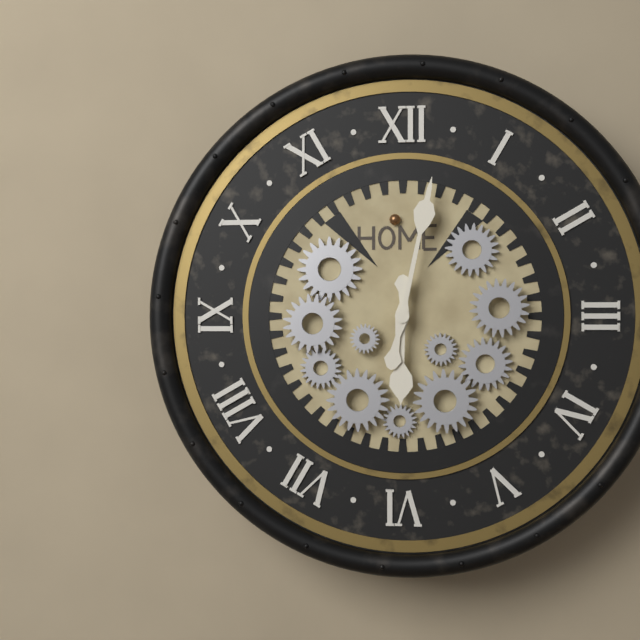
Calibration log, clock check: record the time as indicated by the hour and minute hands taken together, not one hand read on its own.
6:02
